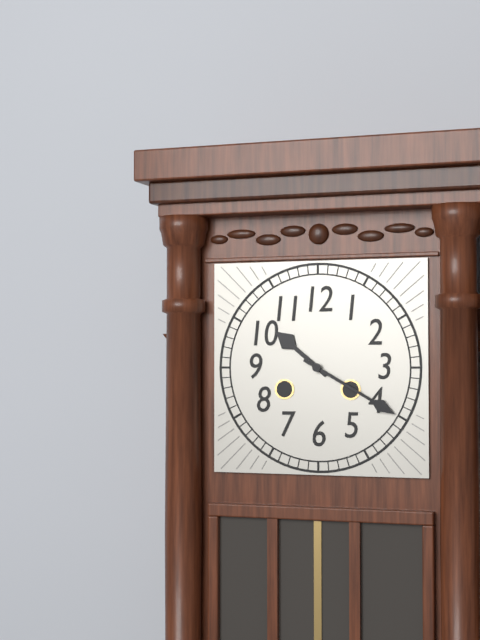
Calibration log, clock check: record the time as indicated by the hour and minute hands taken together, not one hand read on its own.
10:20
